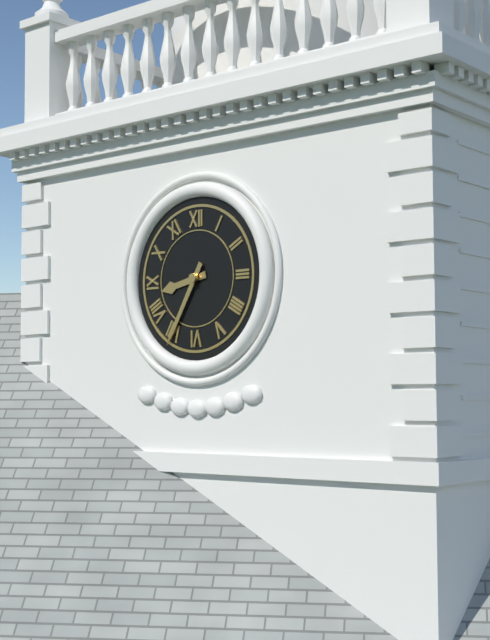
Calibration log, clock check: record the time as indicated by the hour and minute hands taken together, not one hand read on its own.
8:35
